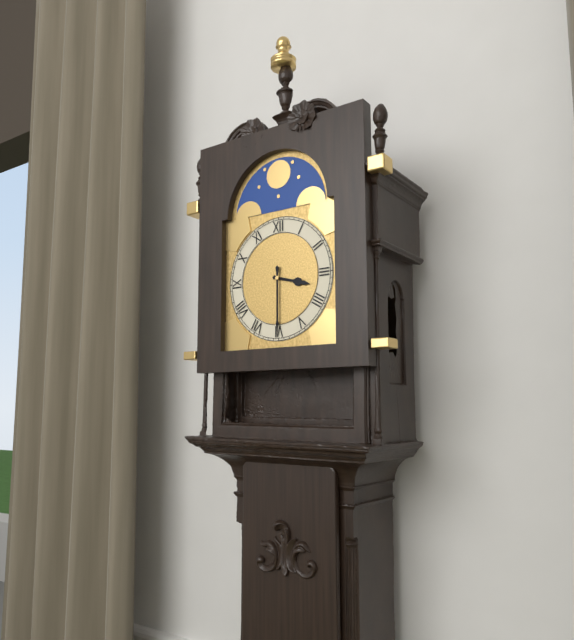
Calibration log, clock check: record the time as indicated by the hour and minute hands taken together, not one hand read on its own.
3:30
